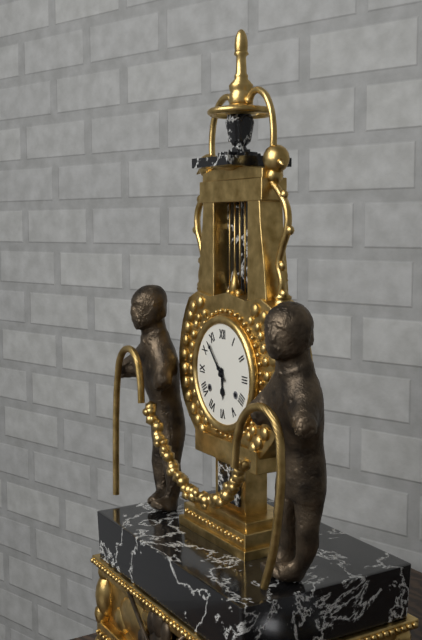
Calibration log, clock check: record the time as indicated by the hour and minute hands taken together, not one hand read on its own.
5:53
